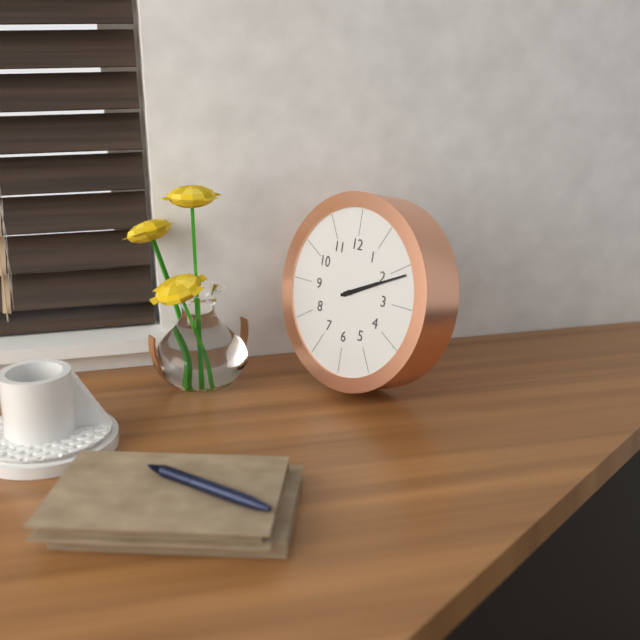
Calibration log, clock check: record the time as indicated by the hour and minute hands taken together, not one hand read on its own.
2:11
